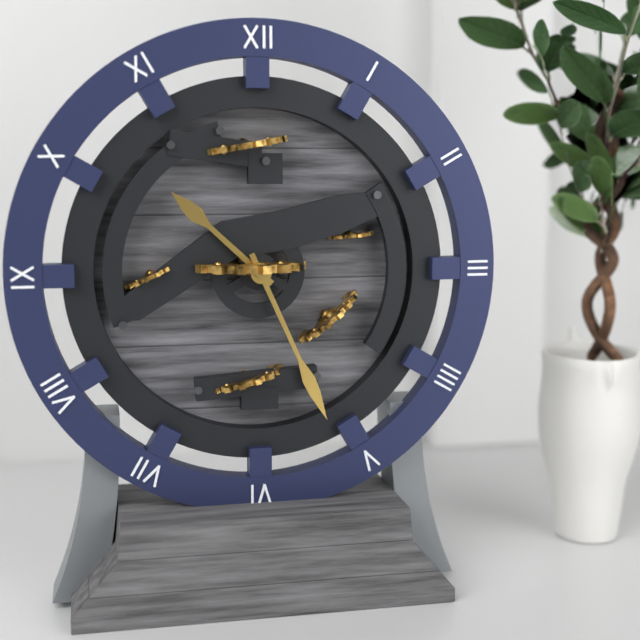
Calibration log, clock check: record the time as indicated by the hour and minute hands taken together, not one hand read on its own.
10:26
